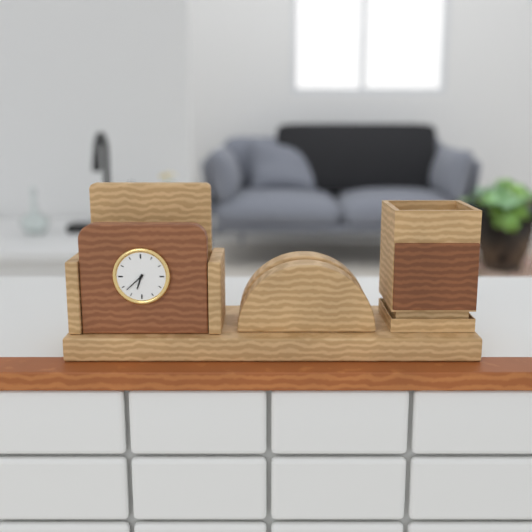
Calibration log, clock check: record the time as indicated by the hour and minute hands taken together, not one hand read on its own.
6:38
